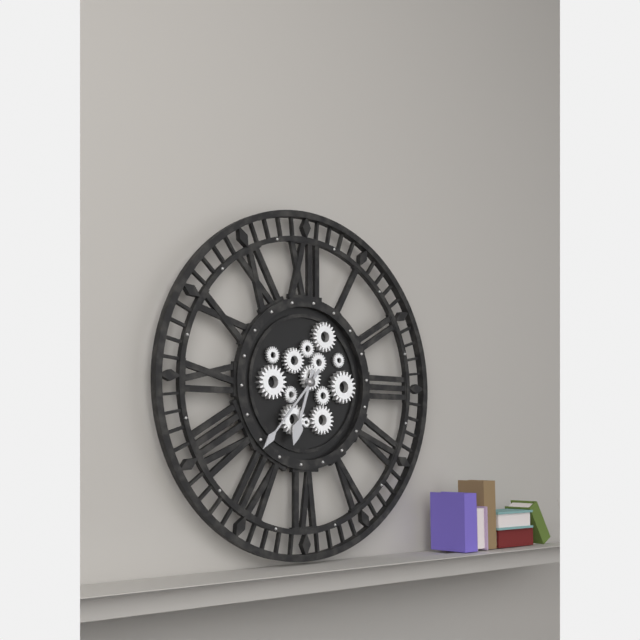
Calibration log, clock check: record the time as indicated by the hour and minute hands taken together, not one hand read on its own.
6:37
